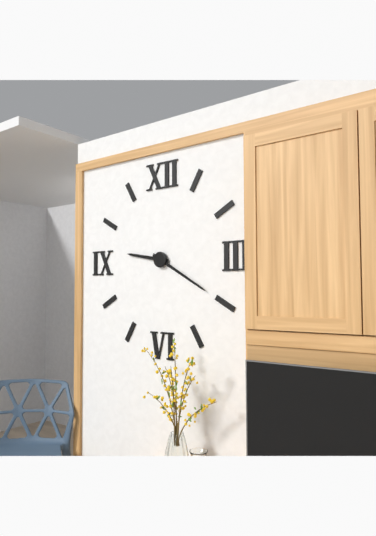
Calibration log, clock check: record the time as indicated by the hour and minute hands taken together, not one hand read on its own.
9:20
